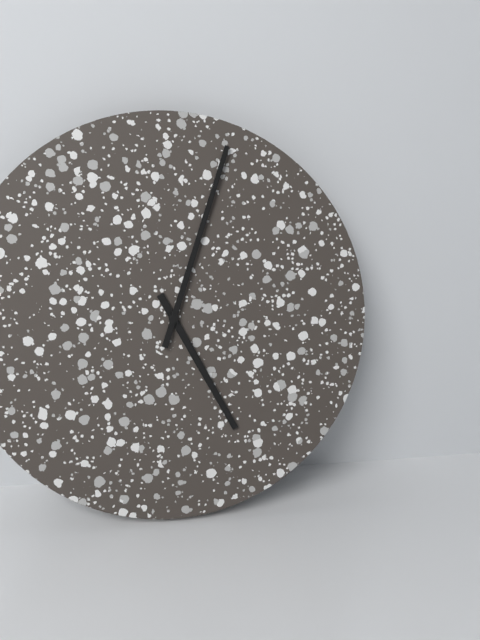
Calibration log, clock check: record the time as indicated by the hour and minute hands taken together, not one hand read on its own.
5:03
